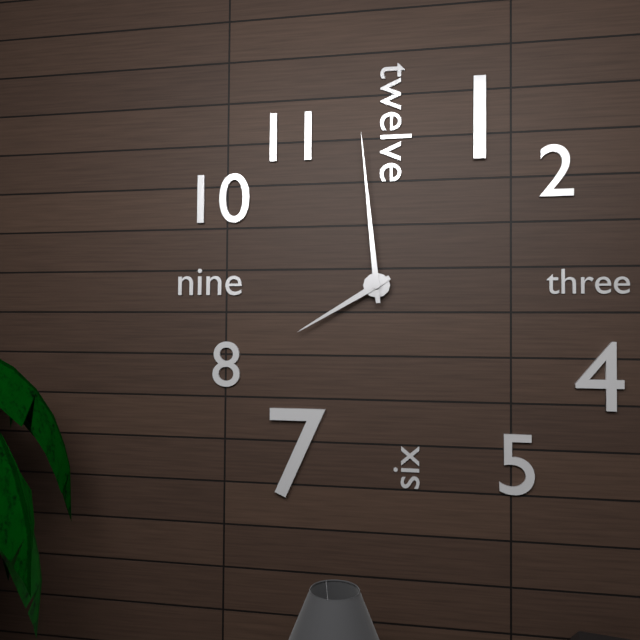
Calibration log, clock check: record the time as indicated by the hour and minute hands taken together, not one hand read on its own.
7:59
